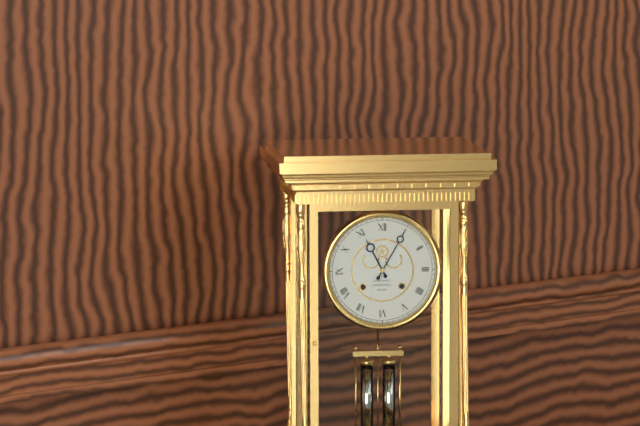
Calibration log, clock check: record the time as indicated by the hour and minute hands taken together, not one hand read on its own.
11:05
